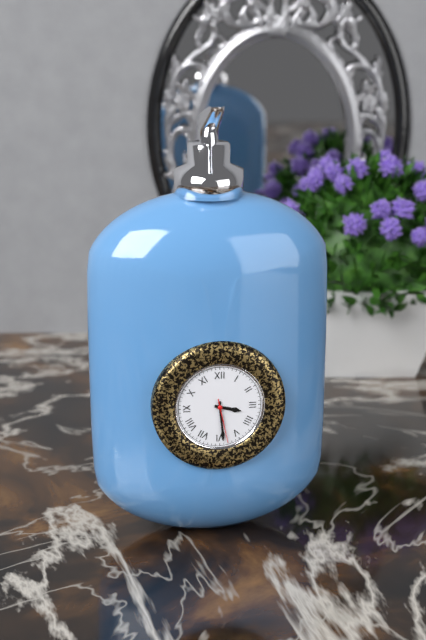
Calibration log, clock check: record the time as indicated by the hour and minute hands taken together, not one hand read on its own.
3:29
